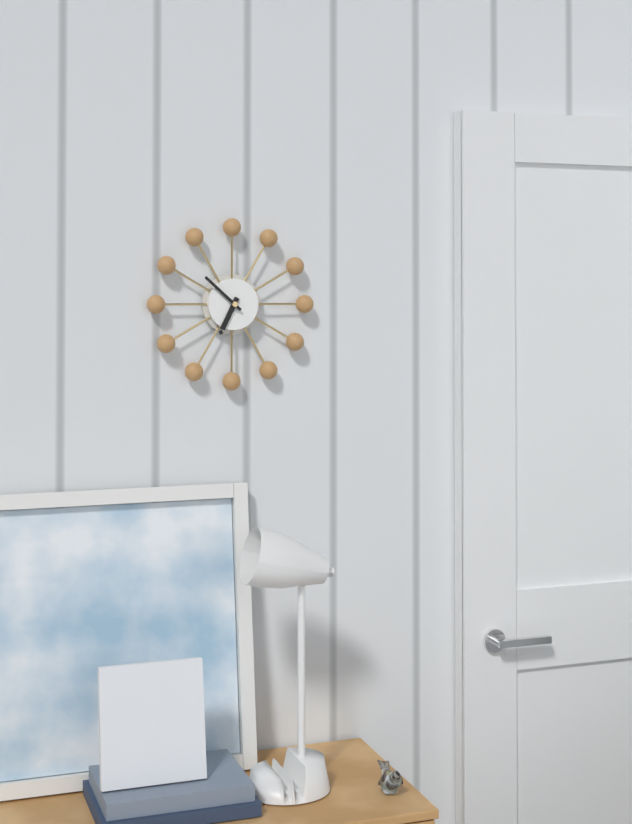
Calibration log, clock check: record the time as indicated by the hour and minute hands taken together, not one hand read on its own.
6:52
